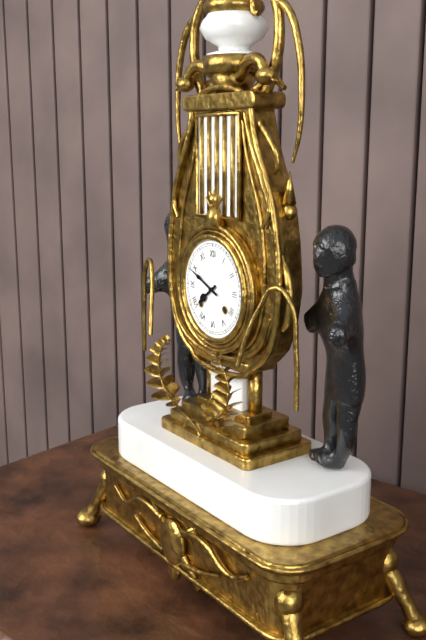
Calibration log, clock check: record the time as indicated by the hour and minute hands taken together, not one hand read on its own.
7:49
